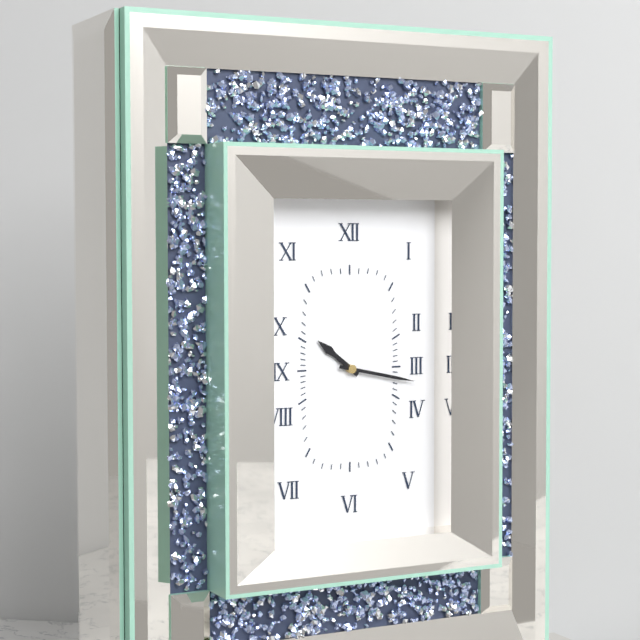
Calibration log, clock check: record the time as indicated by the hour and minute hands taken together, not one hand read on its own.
10:17
